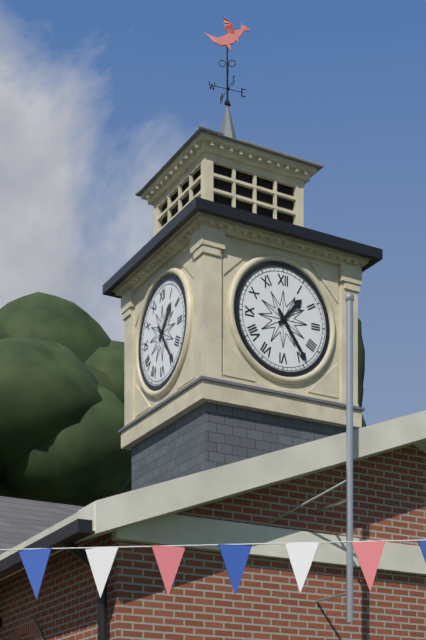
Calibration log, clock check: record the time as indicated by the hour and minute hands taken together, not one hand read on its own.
1:24
